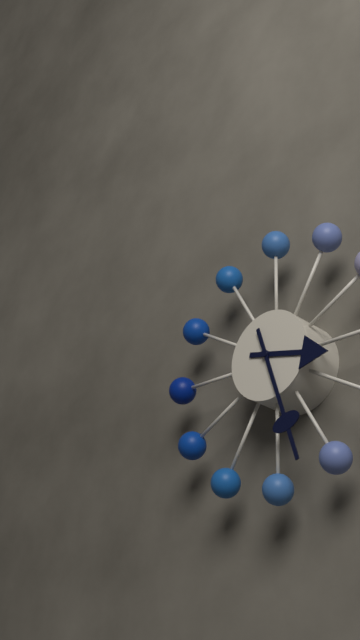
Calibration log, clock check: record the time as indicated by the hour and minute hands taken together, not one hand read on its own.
3:27
